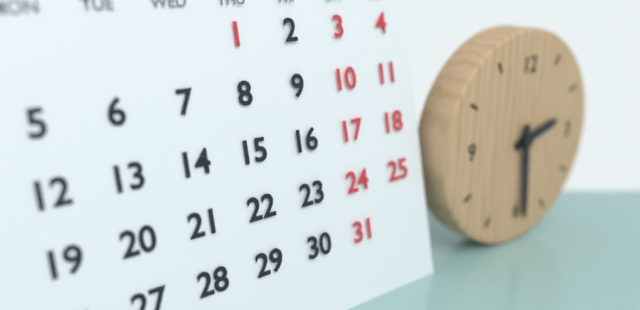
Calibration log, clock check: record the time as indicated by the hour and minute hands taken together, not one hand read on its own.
2:29
